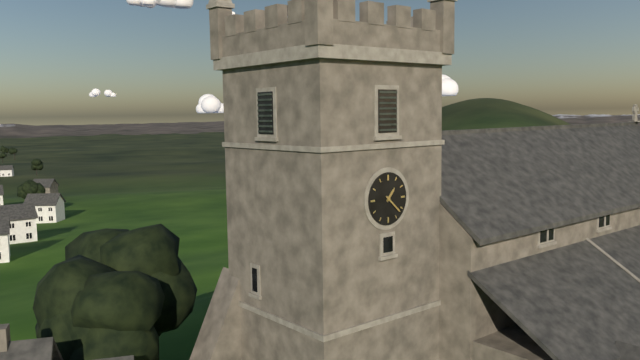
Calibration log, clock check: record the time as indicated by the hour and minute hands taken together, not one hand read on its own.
1:22
